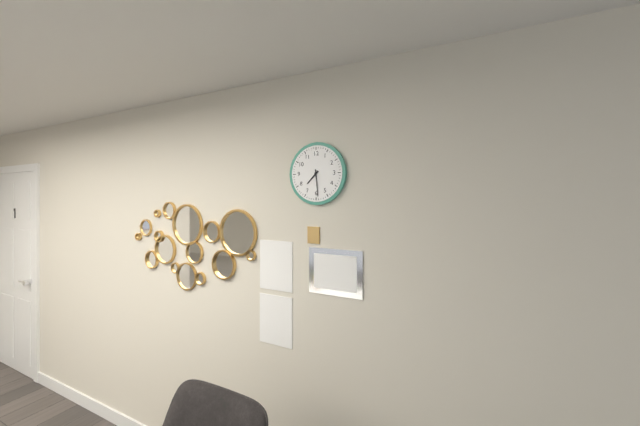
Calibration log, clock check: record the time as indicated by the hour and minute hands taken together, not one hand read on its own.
7:29
